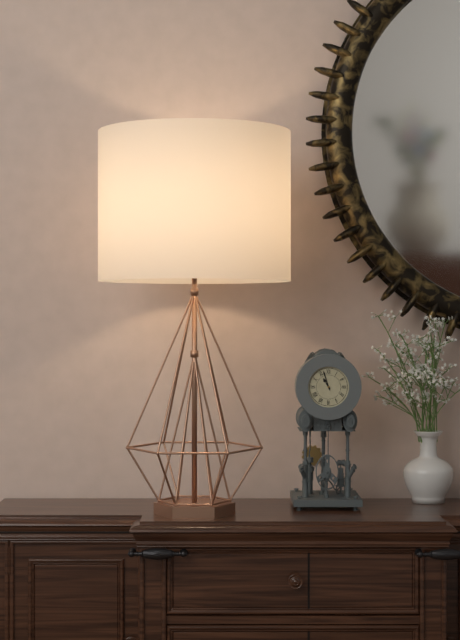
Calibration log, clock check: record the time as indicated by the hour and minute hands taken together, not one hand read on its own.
10:57
